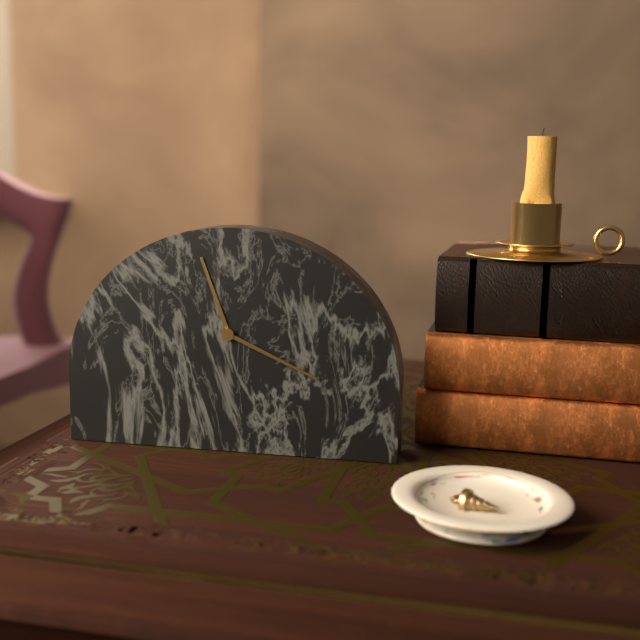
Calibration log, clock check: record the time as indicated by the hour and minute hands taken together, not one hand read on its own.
11:19
